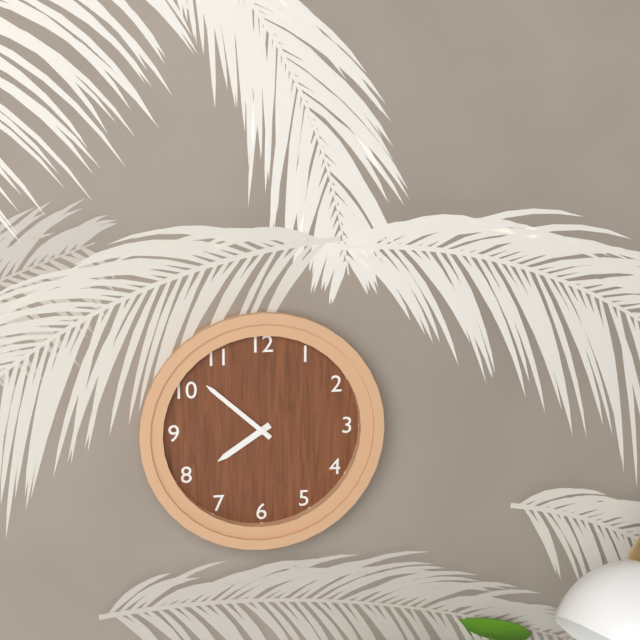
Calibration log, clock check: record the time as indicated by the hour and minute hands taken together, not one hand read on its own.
7:52
